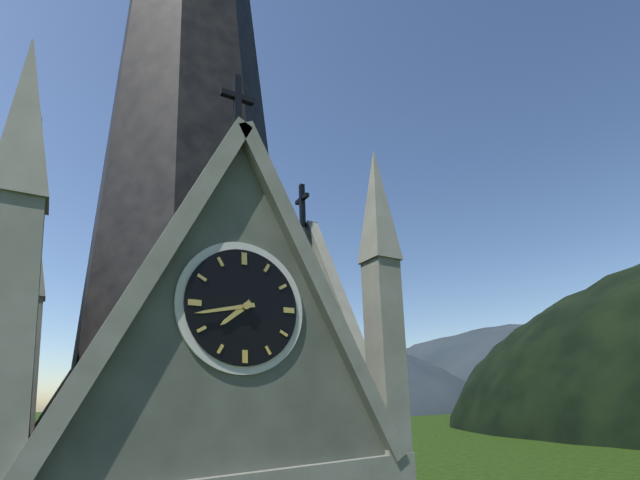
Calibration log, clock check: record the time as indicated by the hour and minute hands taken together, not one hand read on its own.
7:43
